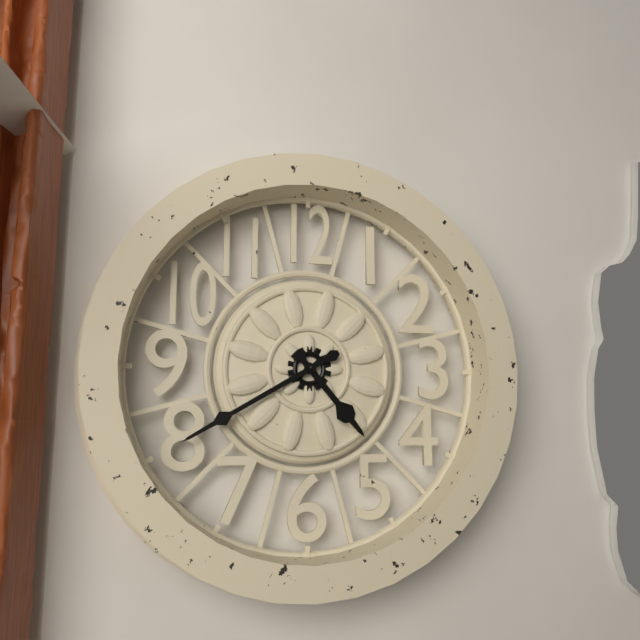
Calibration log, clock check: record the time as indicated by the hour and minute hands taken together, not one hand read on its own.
4:40
